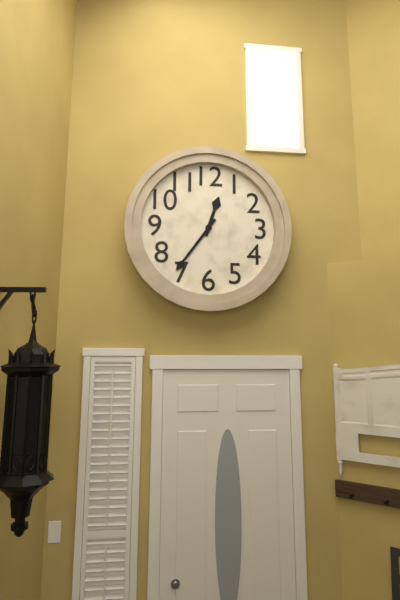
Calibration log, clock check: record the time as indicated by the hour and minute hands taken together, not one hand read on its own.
12:36
